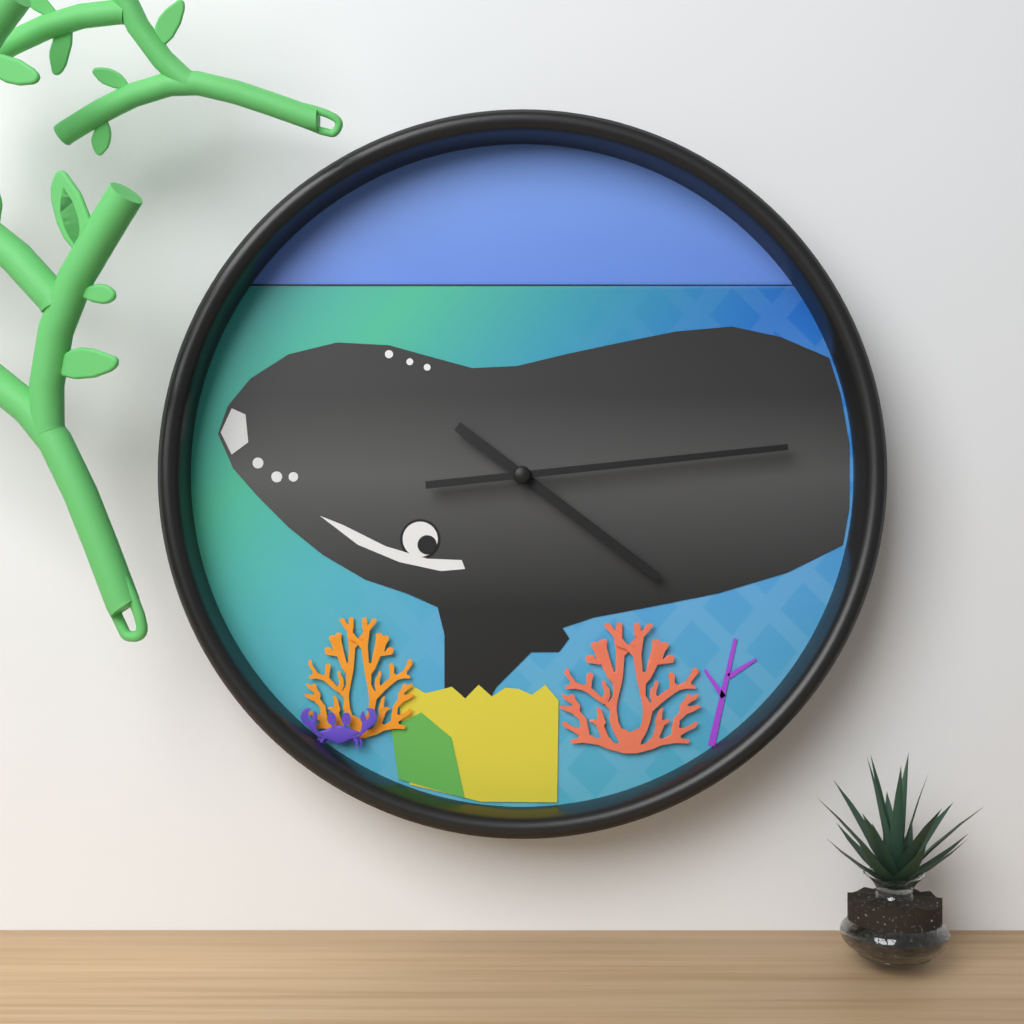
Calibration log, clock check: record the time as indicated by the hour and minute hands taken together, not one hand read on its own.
4:14
